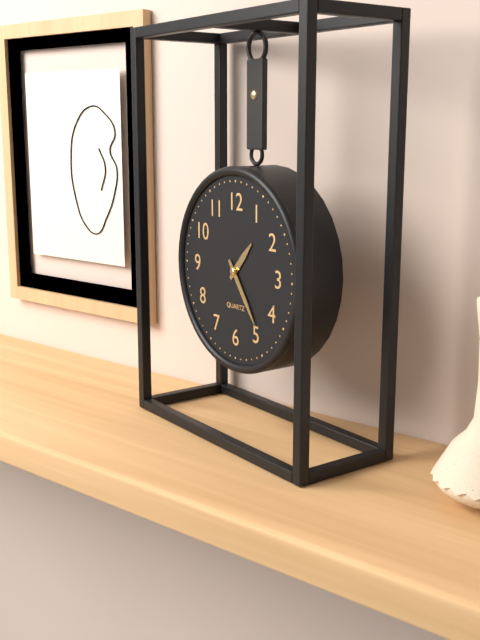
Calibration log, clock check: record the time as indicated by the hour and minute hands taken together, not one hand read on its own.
1:24
